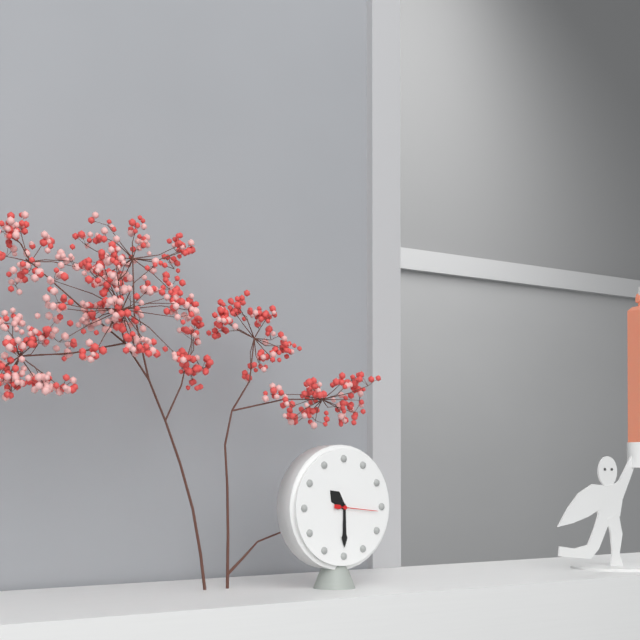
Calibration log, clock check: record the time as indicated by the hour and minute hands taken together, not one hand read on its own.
10:30
